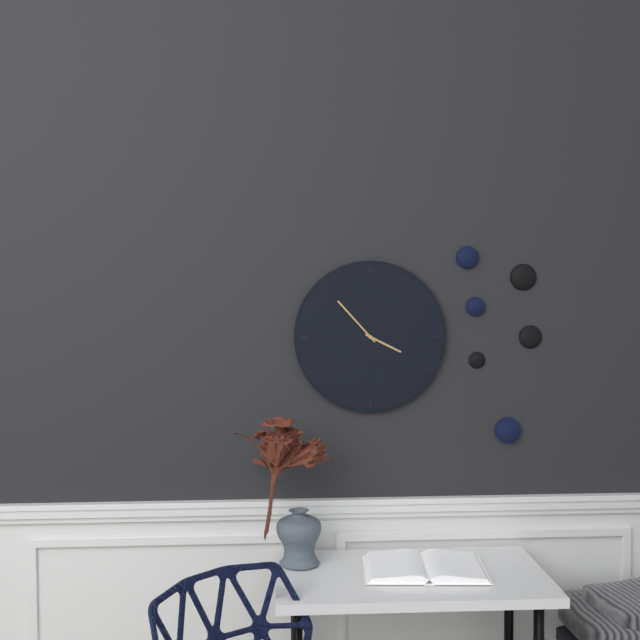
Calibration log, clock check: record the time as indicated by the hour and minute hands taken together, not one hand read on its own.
3:53
